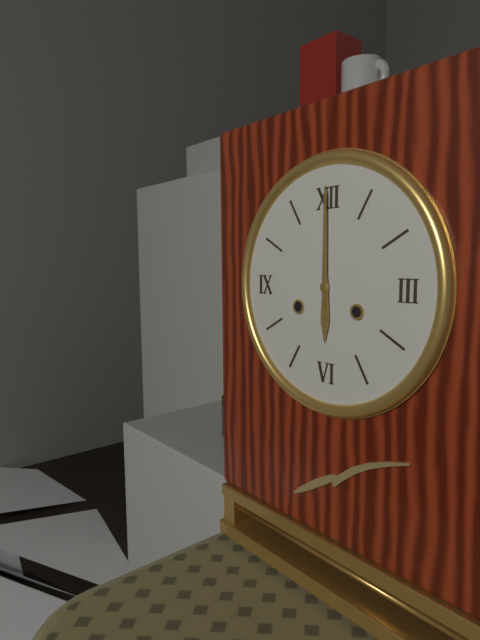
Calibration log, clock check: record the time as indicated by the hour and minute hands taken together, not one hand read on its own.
6:00
